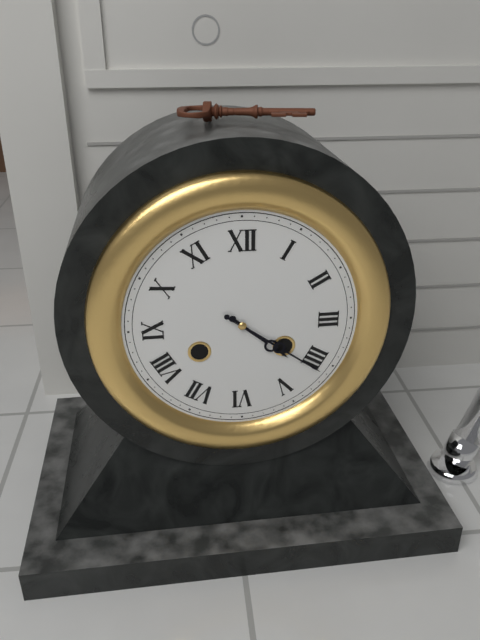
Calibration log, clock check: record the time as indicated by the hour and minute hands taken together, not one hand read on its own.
4:21
